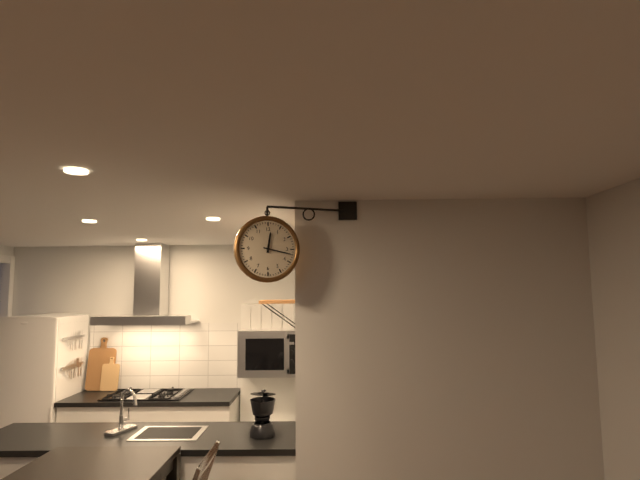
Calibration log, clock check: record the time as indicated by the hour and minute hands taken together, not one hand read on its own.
12:17
